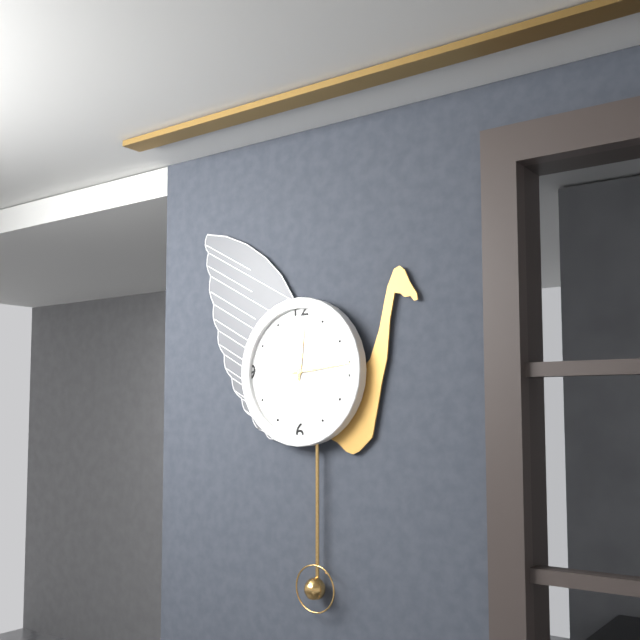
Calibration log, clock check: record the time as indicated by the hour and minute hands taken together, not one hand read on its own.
12:14
